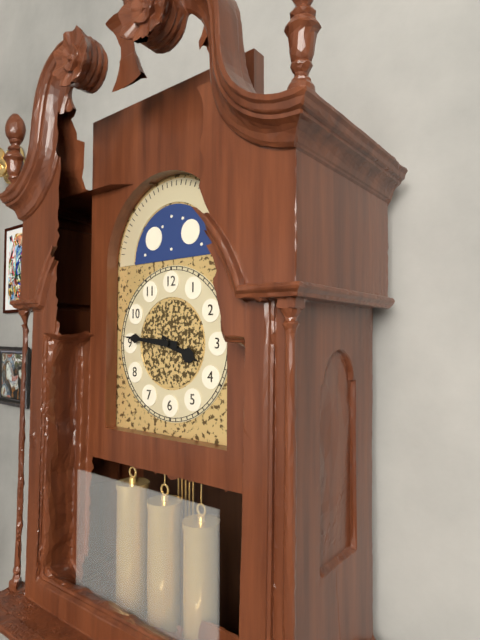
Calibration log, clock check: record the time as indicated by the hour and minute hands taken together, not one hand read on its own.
3:46
